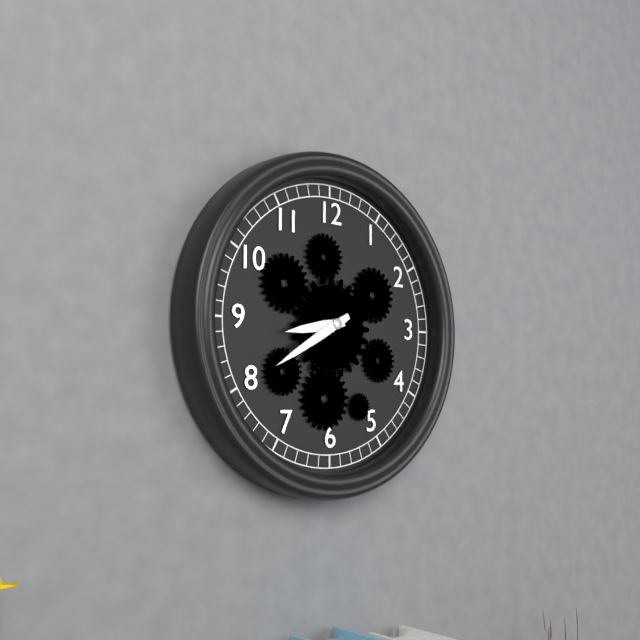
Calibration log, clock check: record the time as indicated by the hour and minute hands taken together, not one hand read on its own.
8:40
